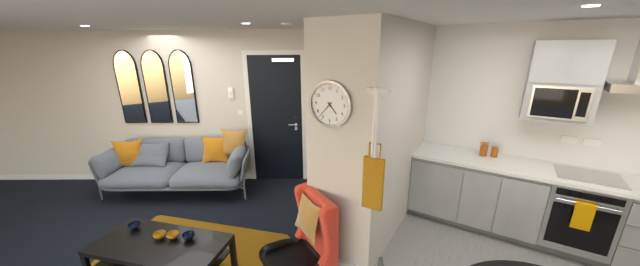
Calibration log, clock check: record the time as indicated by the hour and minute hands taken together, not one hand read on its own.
4:37
